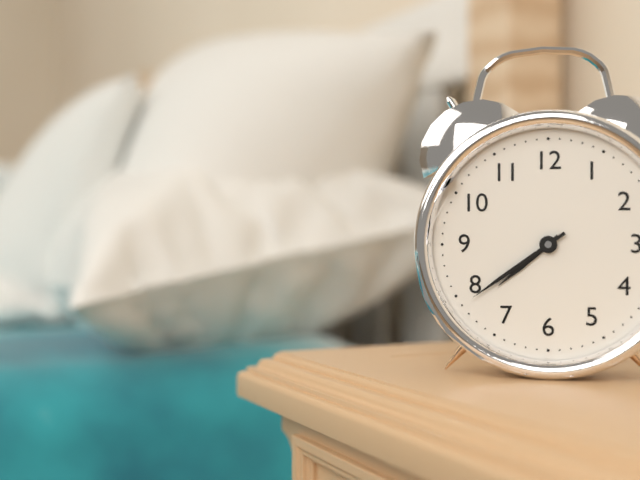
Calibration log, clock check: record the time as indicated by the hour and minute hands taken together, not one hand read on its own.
7:39
